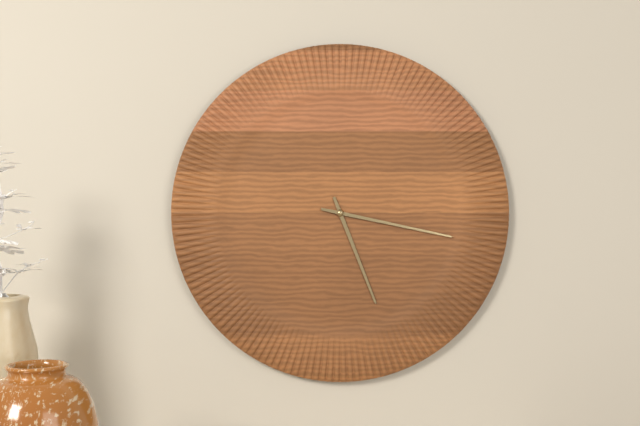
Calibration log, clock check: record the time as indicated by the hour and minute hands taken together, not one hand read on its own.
5:17
